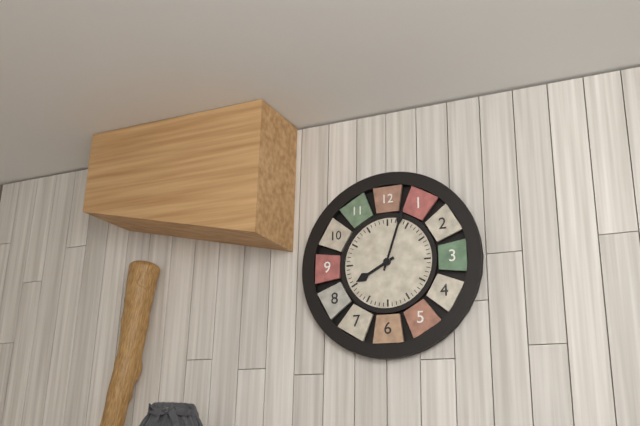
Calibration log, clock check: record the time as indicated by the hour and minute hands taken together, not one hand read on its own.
8:03
